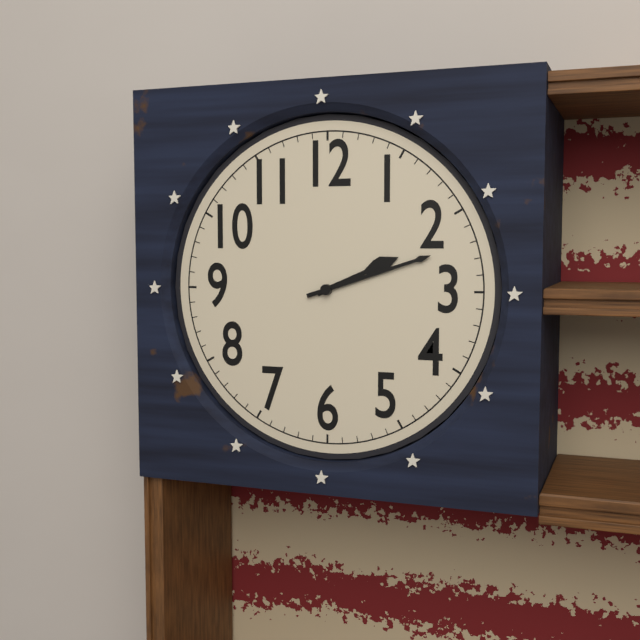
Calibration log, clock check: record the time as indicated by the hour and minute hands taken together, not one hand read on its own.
2:12
